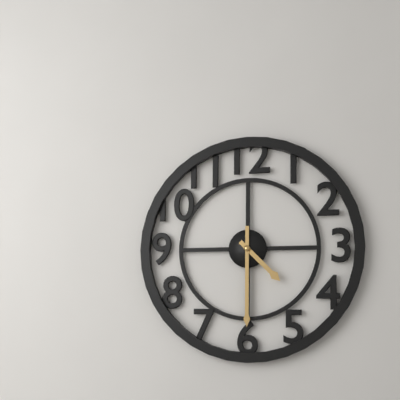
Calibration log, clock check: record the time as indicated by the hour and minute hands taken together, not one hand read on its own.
4:30
